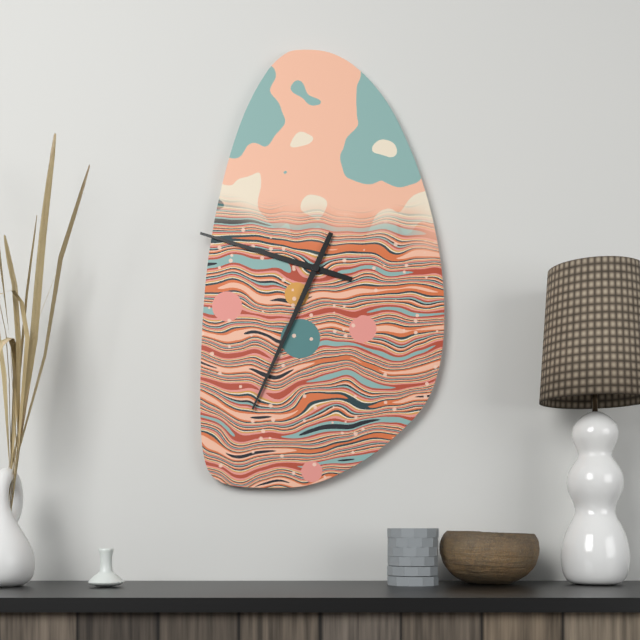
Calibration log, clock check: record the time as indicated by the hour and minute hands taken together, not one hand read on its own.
9:34
